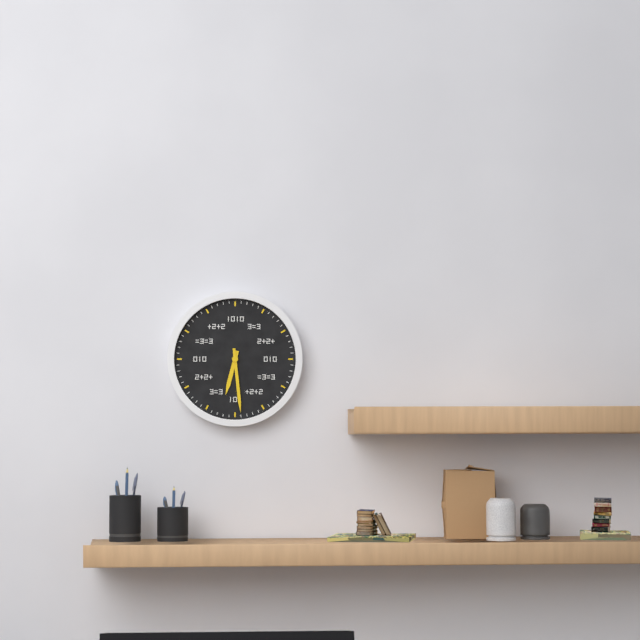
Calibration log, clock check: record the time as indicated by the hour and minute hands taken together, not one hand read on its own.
6:29
